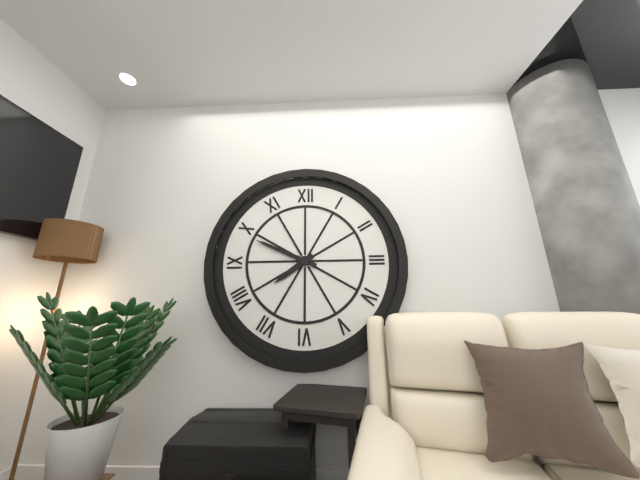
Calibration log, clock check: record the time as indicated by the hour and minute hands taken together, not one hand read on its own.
7:49
